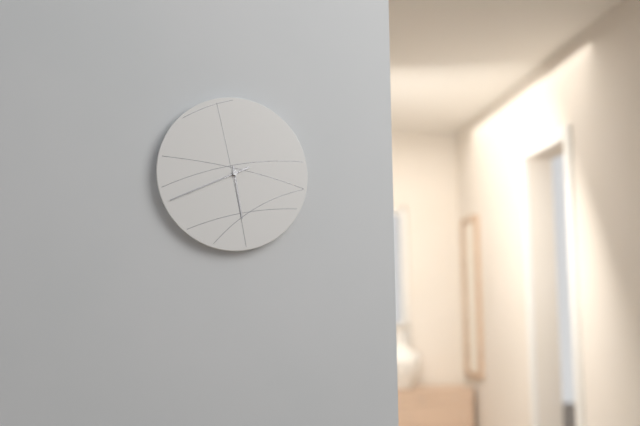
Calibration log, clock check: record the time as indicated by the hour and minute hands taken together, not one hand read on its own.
5:41
